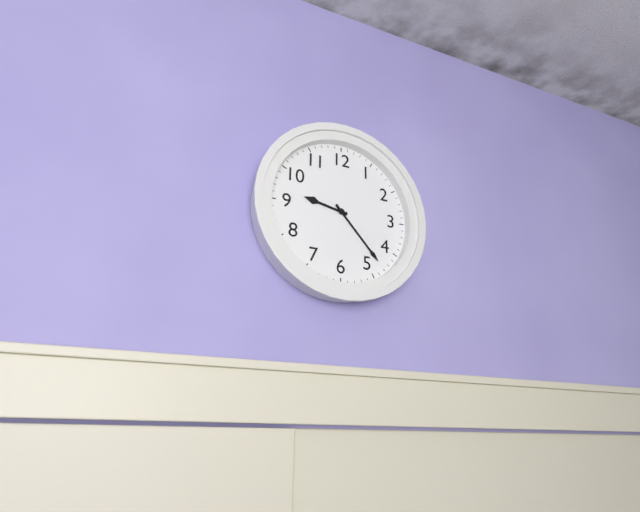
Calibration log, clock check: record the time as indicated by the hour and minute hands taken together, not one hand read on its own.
9:23
